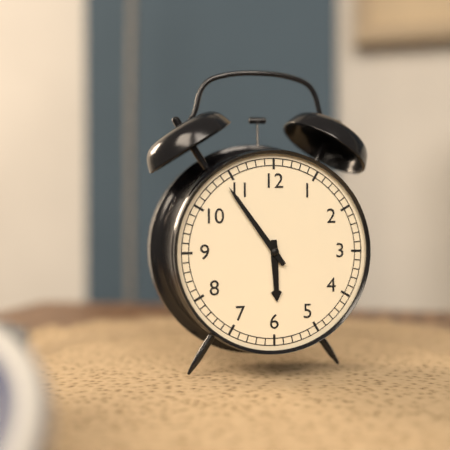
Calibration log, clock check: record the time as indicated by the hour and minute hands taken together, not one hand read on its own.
5:54
